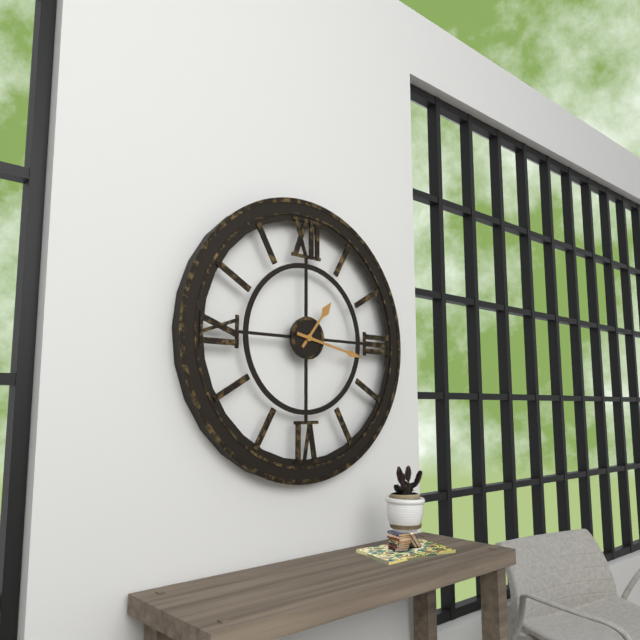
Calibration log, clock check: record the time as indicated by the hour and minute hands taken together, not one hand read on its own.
1:17
